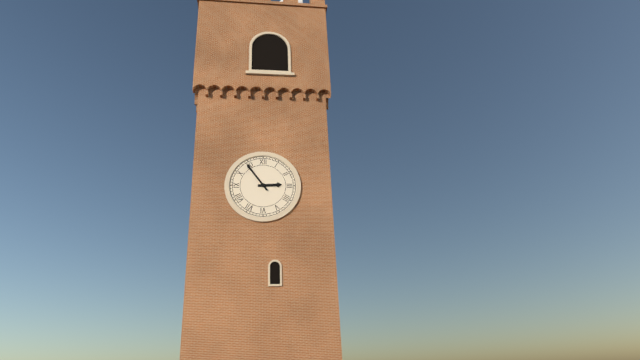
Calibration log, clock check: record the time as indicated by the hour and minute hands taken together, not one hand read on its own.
2:54
